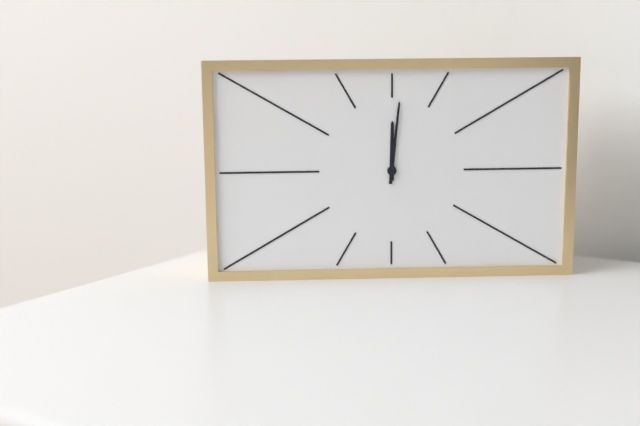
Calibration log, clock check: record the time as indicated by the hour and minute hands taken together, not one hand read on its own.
12:01
